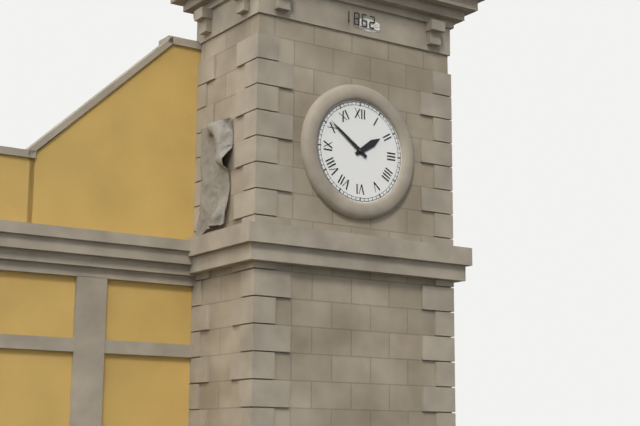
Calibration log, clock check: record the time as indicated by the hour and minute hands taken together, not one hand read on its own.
1:51
